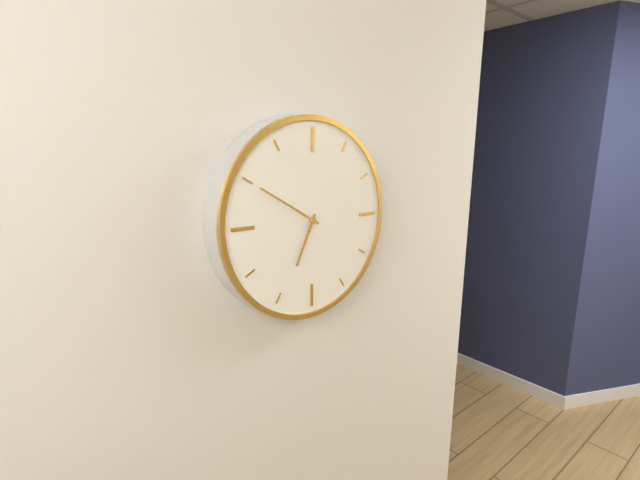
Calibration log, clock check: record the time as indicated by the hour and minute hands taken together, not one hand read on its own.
6:50
